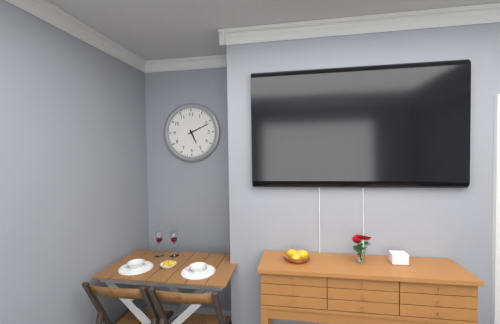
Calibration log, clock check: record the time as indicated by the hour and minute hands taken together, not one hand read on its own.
5:11
